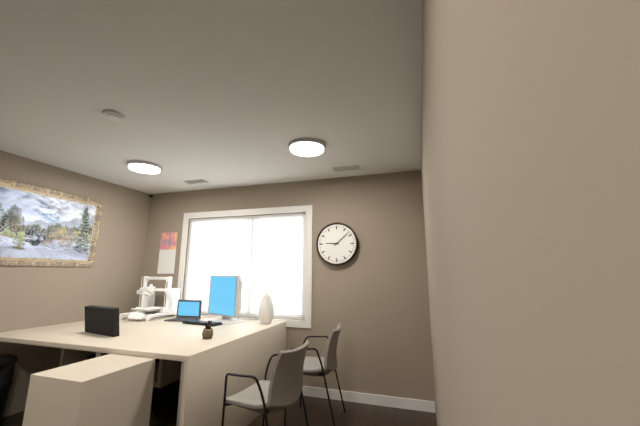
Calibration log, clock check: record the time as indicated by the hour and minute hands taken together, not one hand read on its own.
9:08
